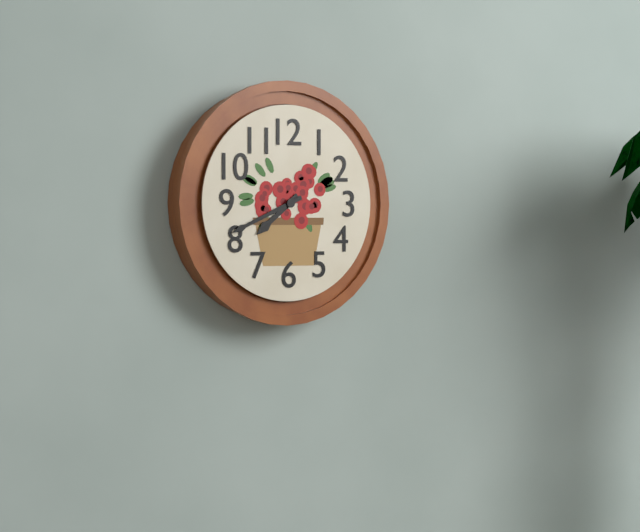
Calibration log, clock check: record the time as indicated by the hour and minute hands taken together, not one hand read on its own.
7:41
